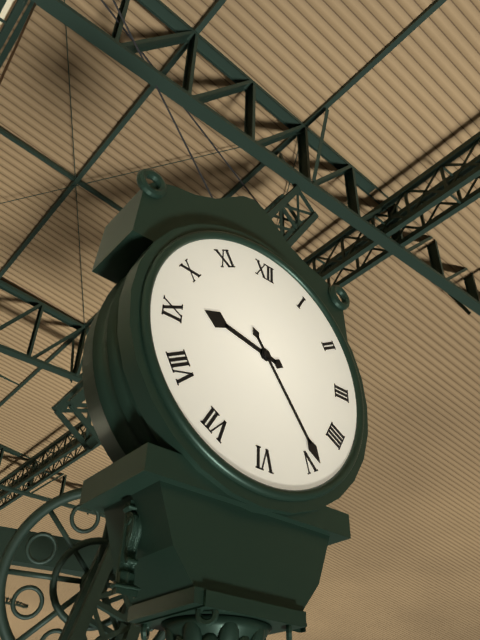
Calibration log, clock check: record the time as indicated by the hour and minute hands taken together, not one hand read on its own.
9:24
